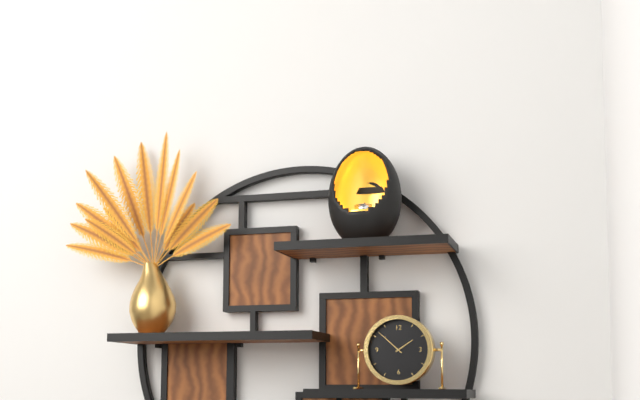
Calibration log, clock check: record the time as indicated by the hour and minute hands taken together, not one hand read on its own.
1:52
